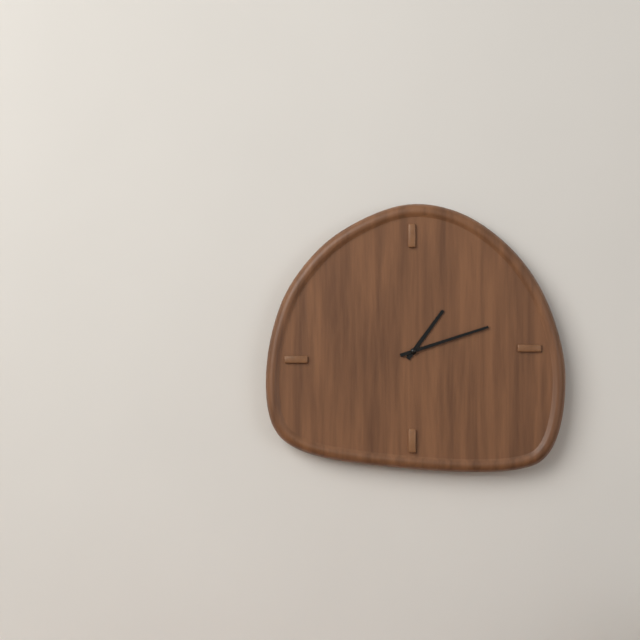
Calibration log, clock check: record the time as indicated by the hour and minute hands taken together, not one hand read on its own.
1:12
